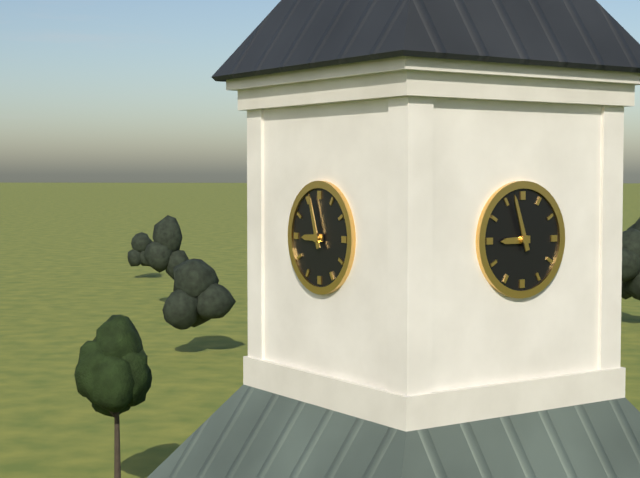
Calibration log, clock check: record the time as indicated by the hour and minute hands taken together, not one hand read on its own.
8:57
